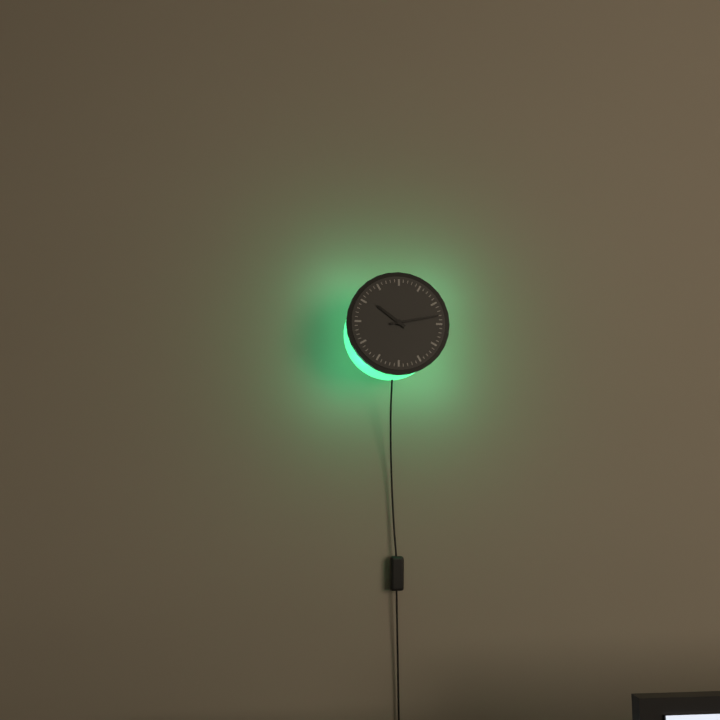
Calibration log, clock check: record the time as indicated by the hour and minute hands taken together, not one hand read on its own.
10:13
